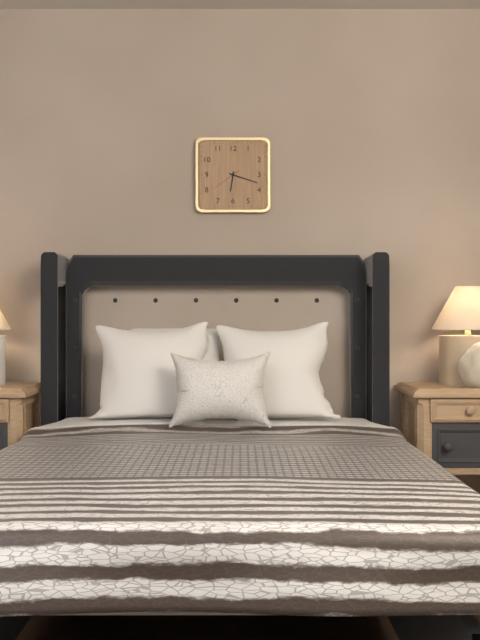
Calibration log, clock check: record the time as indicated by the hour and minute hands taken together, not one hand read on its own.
6:18
